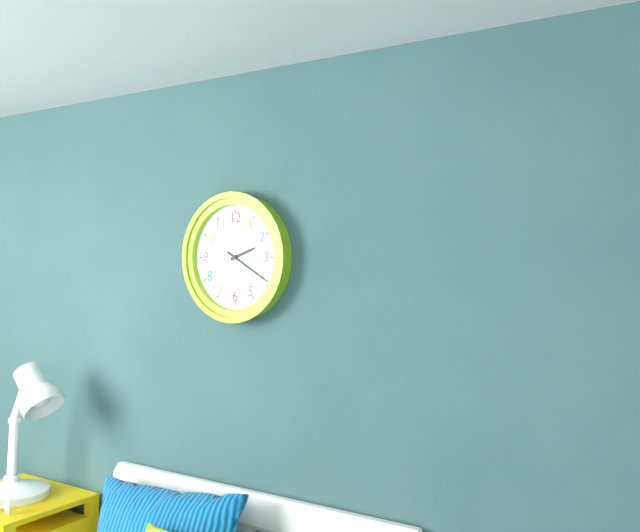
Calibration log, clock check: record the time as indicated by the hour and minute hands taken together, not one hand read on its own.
2:20
